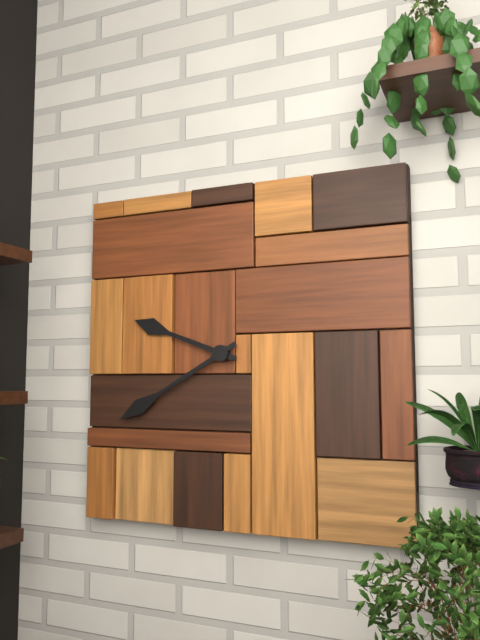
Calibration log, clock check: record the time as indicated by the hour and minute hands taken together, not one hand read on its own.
9:40
